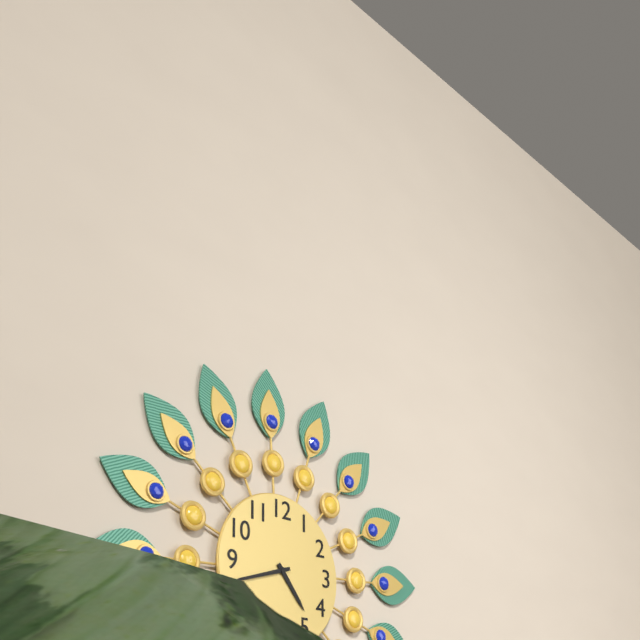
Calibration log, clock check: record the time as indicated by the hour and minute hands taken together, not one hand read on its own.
4:42
